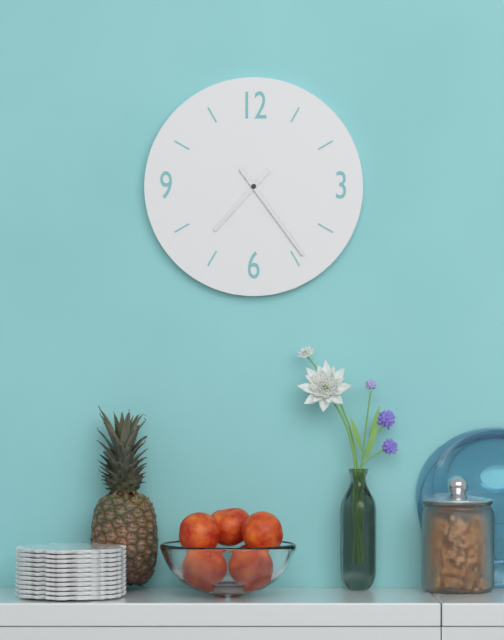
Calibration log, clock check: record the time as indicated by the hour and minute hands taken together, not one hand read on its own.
7:24
